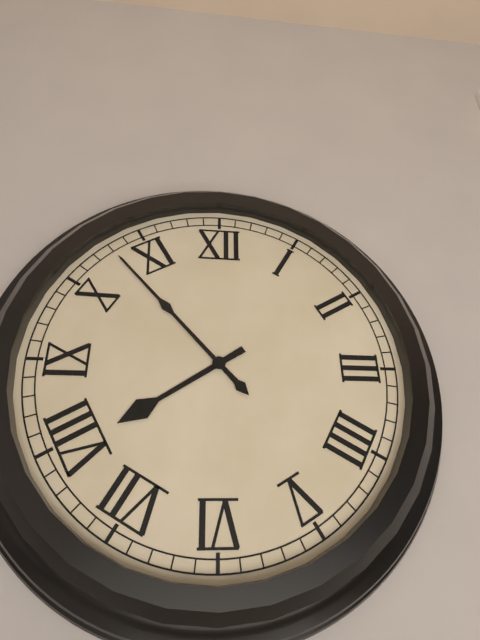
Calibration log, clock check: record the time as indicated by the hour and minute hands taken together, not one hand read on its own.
7:53
